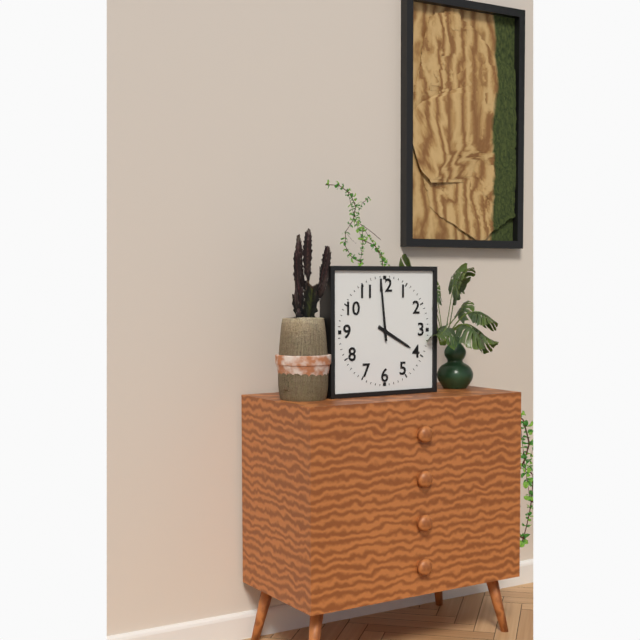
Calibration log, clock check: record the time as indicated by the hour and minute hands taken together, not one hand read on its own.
3:59
